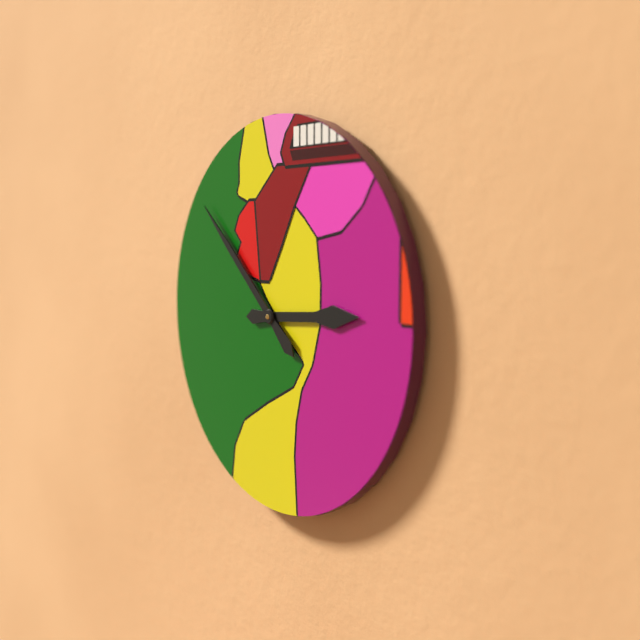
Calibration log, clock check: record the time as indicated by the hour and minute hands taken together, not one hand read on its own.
2:52
